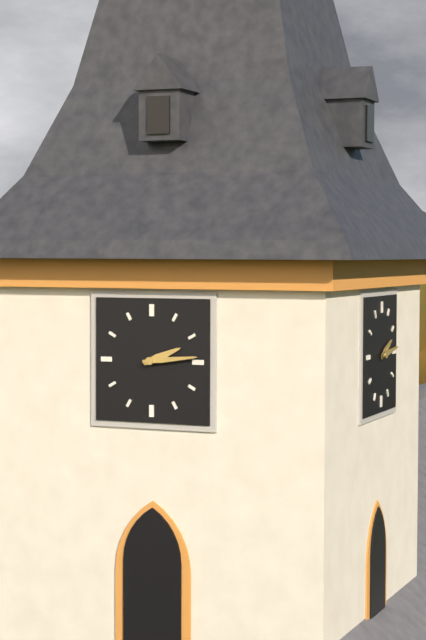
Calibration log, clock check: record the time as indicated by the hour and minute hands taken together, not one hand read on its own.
2:14
